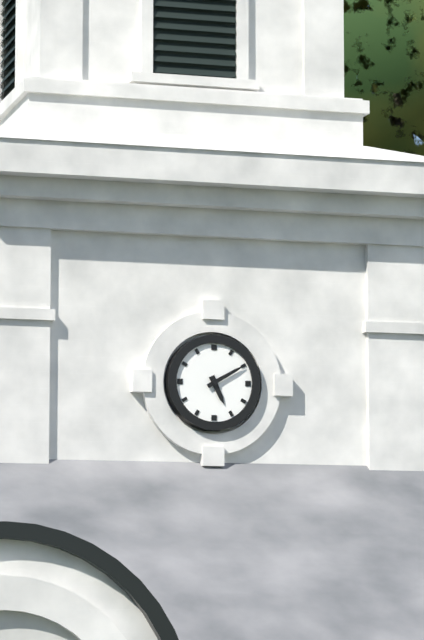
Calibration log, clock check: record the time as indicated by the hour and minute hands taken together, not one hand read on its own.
5:10
